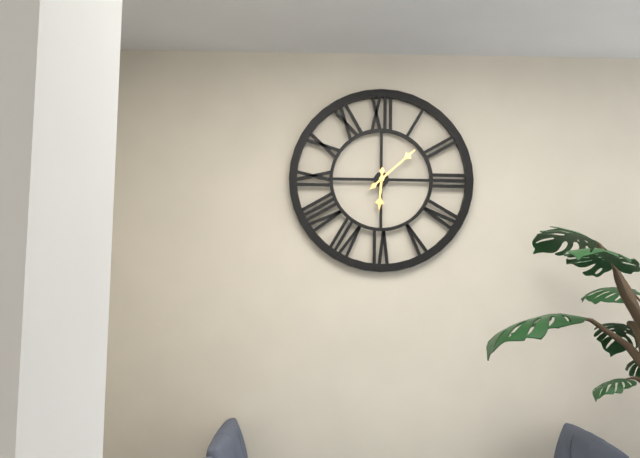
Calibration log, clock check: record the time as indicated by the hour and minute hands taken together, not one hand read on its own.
6:08
